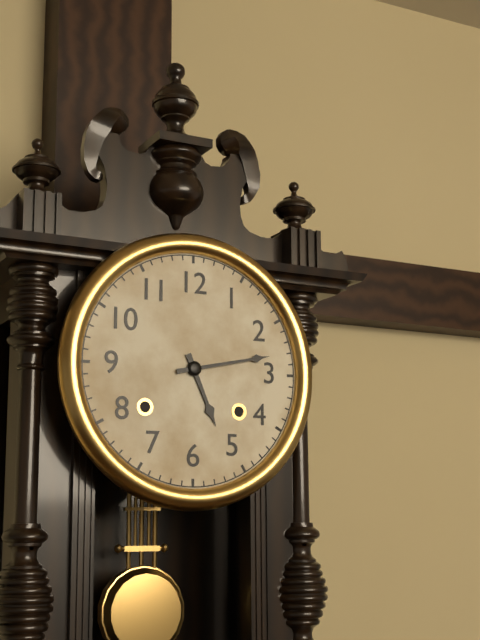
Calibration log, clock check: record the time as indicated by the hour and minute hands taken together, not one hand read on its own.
5:13
